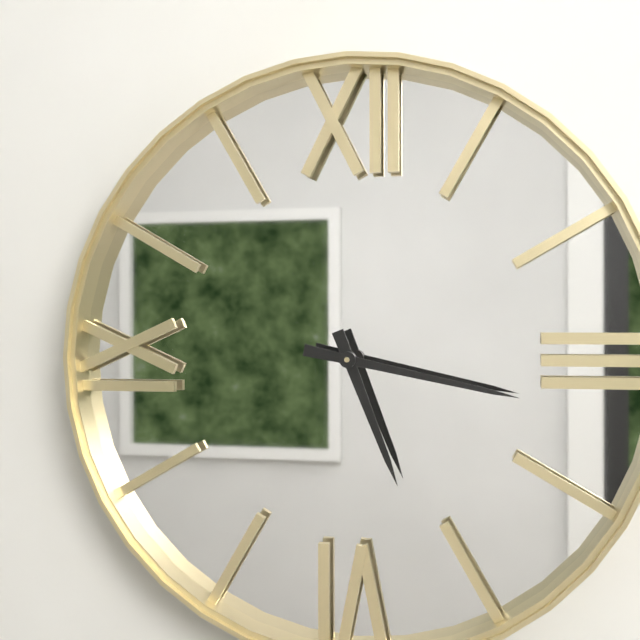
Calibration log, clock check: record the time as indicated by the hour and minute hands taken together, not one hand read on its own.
5:17
